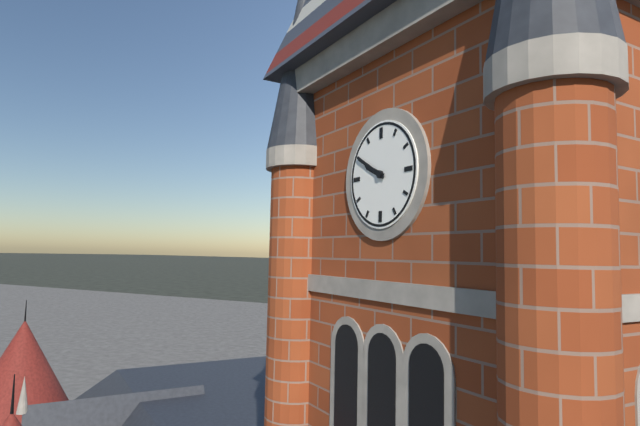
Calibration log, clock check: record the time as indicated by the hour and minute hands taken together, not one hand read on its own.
9:50
